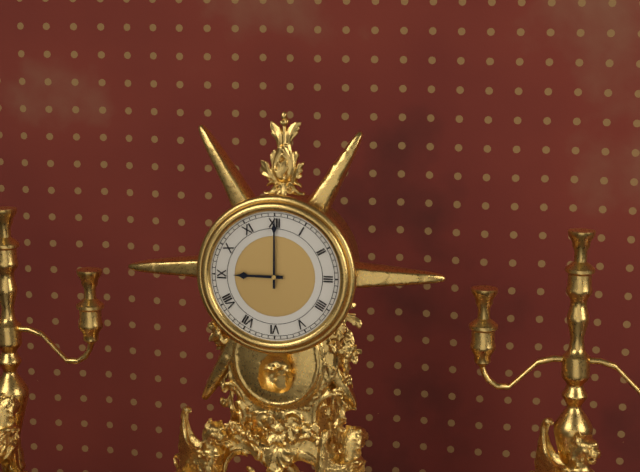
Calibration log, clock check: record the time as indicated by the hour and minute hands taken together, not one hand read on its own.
9:00
